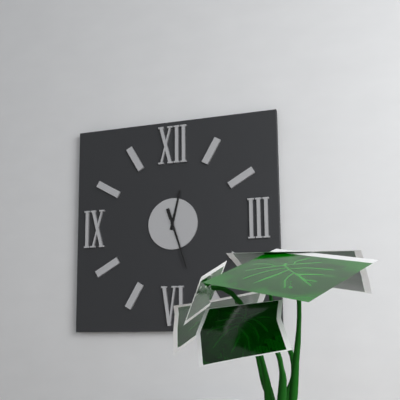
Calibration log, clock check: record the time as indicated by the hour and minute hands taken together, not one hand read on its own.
12:27
